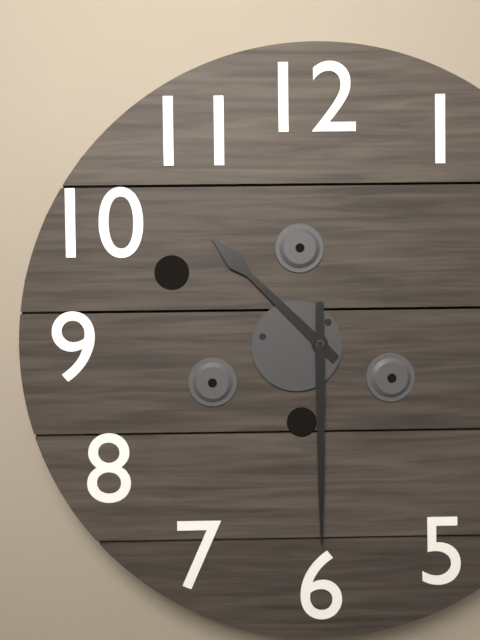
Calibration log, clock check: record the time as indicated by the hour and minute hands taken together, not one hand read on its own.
10:30
